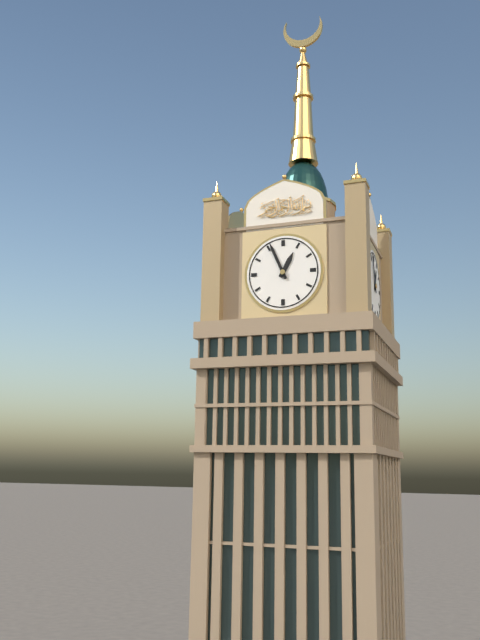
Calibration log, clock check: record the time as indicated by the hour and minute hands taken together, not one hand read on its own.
12:56
